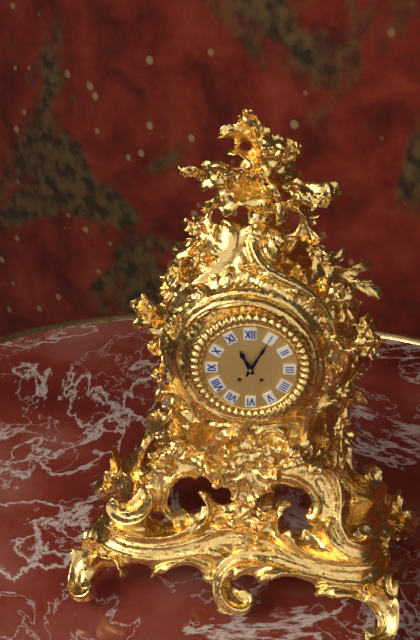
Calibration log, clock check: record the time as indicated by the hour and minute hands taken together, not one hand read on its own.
11:05
